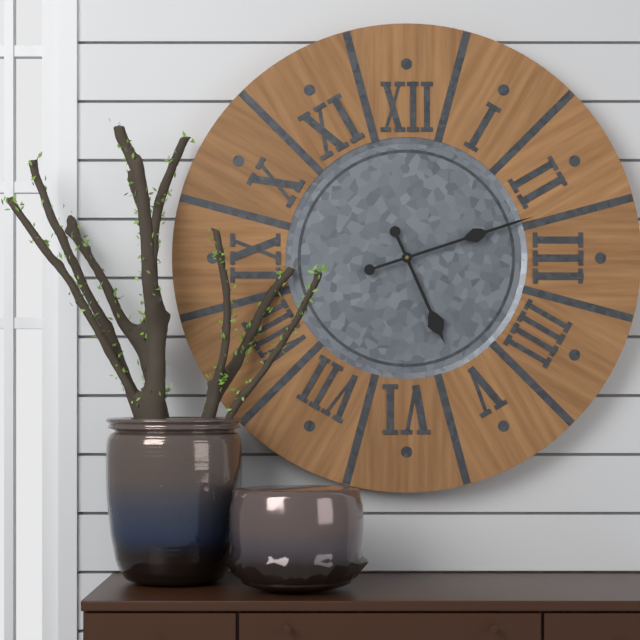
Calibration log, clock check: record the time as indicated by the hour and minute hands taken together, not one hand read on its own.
5:12
